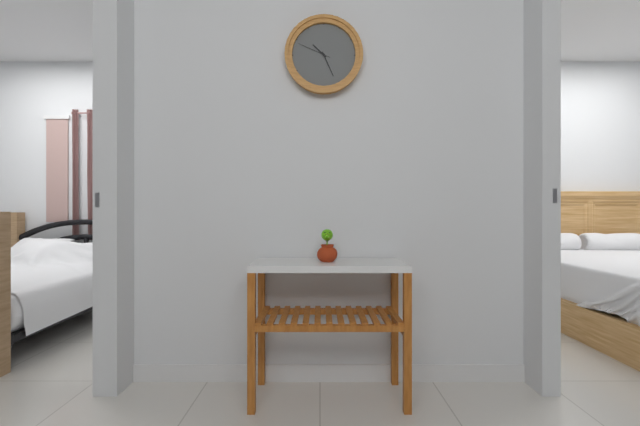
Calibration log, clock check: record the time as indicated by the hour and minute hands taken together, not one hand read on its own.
10:26
